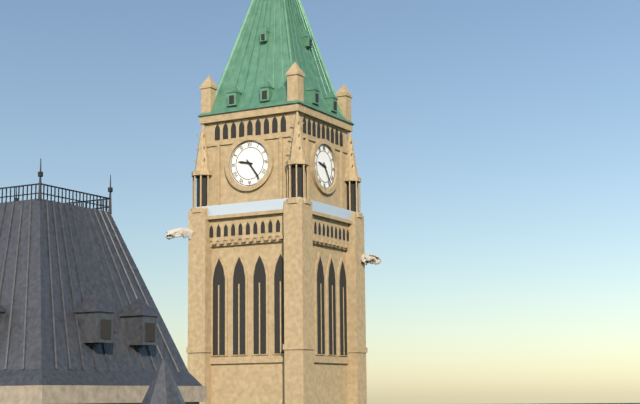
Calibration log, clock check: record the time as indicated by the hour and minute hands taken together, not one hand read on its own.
9:24
